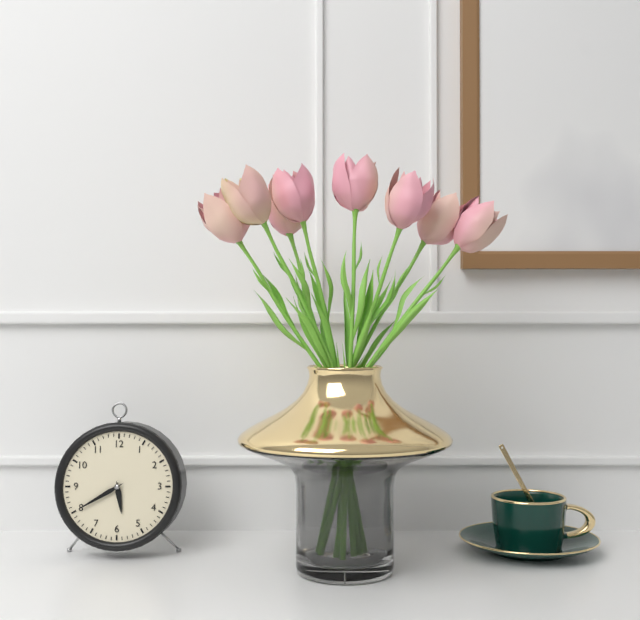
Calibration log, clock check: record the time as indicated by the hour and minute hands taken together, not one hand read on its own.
5:40
